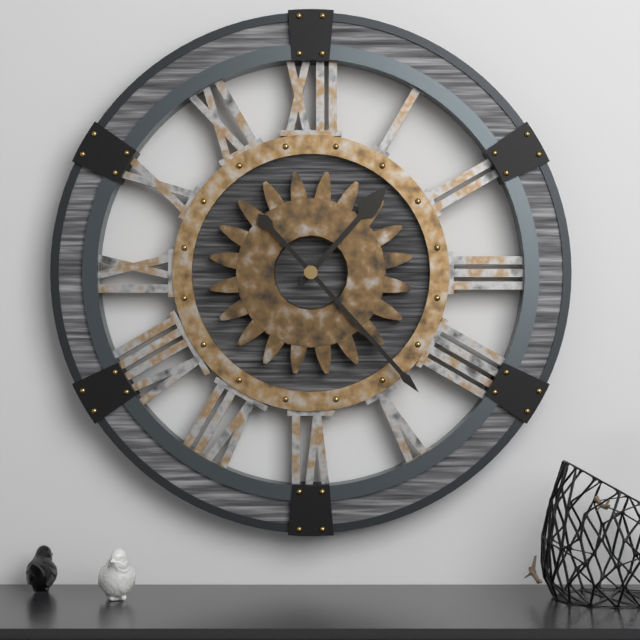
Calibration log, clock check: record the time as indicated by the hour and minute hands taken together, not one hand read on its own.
1:23
